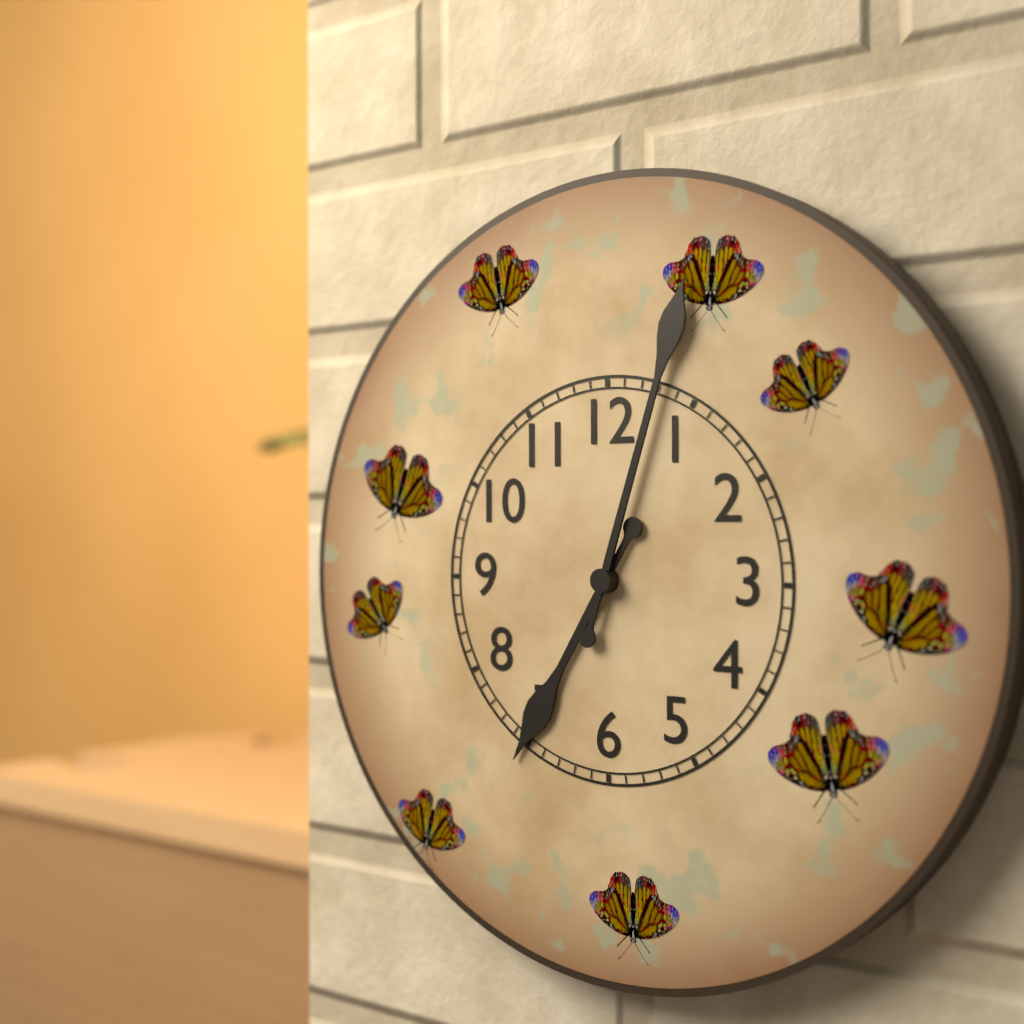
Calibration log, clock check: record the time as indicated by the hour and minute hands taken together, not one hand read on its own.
7:03
